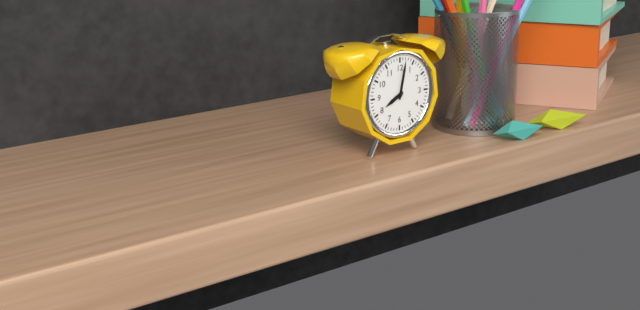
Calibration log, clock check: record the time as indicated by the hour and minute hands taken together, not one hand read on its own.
8:02
